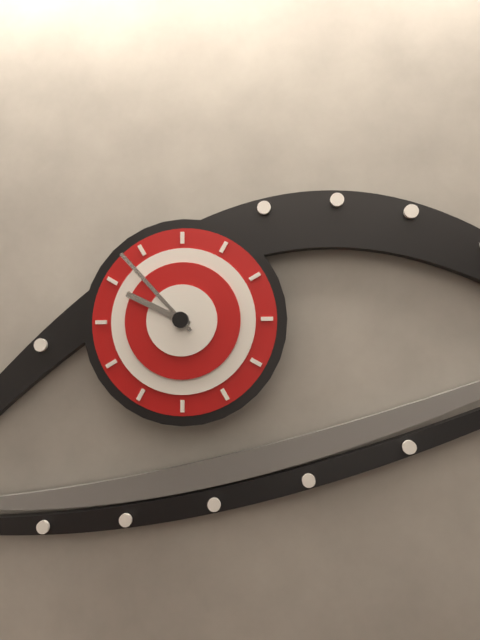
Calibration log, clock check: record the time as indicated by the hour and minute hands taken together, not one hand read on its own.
9:53
